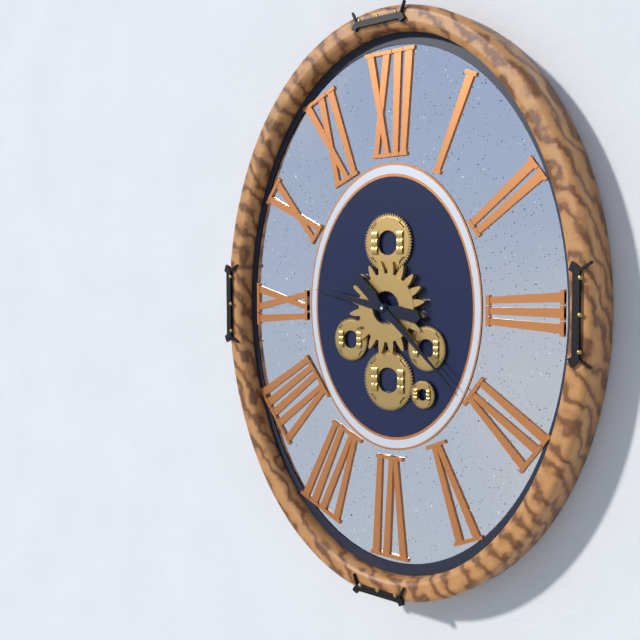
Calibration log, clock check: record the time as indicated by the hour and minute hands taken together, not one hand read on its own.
9:22
